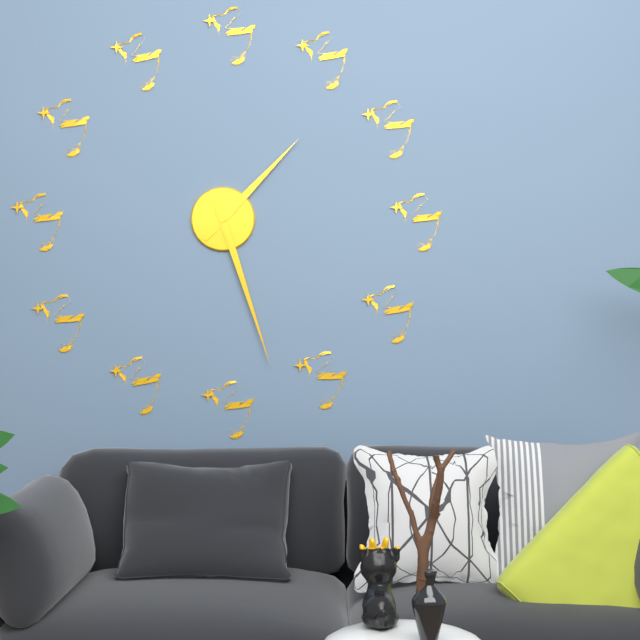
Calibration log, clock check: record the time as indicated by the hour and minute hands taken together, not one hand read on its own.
1:27
